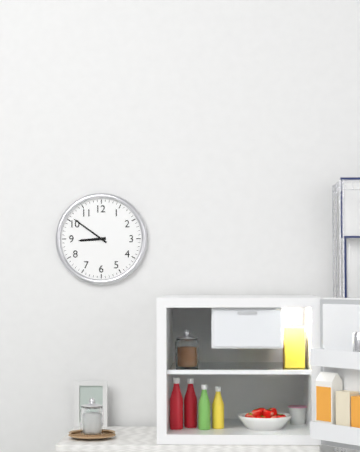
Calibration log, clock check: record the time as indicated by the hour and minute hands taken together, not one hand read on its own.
8:51
